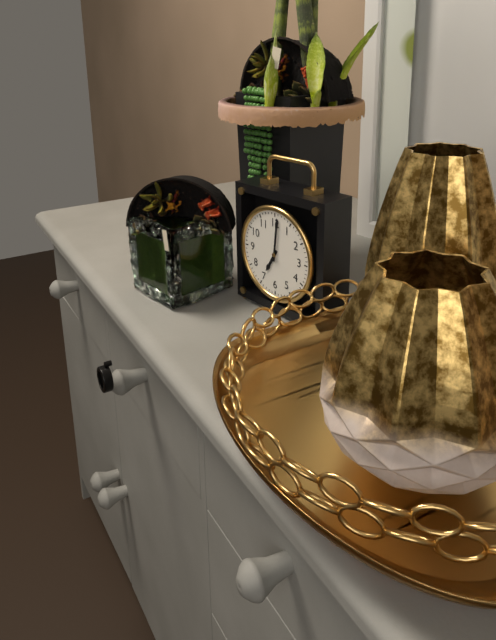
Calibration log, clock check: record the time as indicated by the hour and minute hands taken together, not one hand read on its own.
7:01
